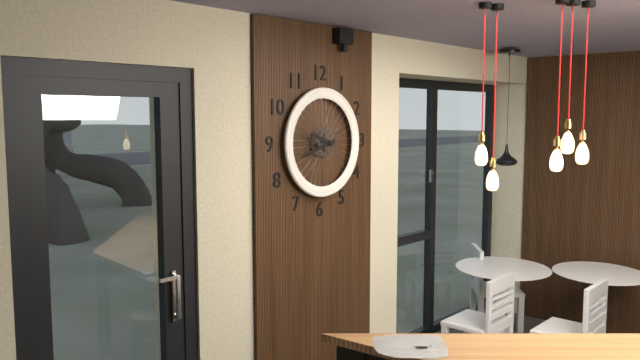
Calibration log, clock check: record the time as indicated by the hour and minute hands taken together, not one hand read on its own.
9:42
